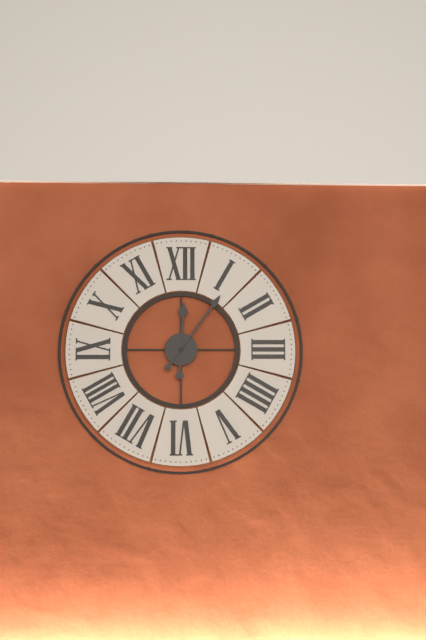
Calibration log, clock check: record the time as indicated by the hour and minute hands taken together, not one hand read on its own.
12:06
